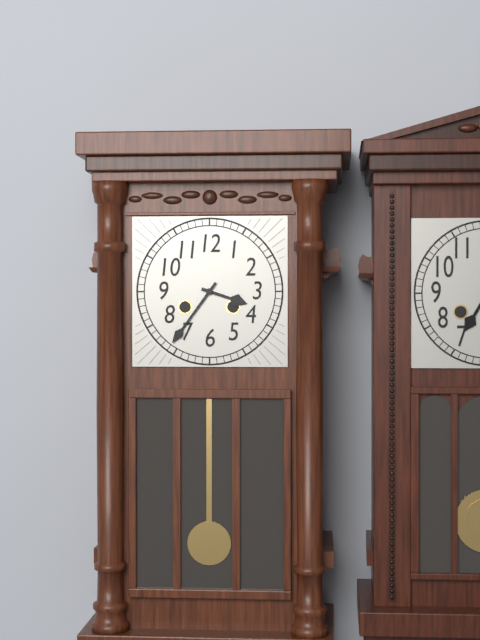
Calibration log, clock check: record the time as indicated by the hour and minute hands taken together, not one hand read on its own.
3:36
